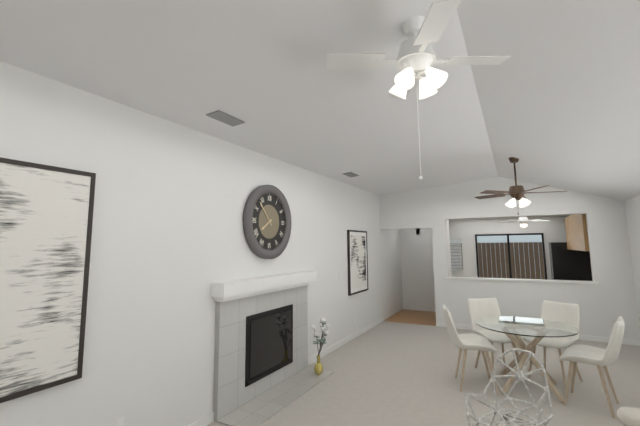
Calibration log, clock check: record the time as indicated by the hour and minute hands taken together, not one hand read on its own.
7:53
